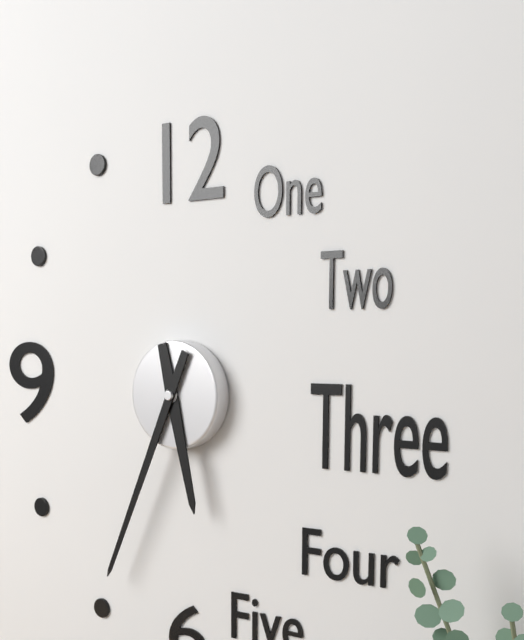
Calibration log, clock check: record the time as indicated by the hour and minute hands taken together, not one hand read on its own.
5:34
